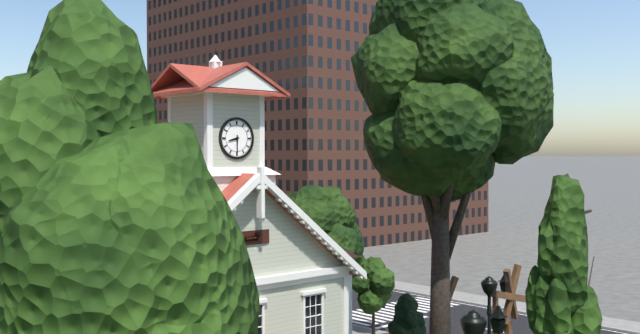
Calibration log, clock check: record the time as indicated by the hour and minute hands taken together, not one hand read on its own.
8:30
